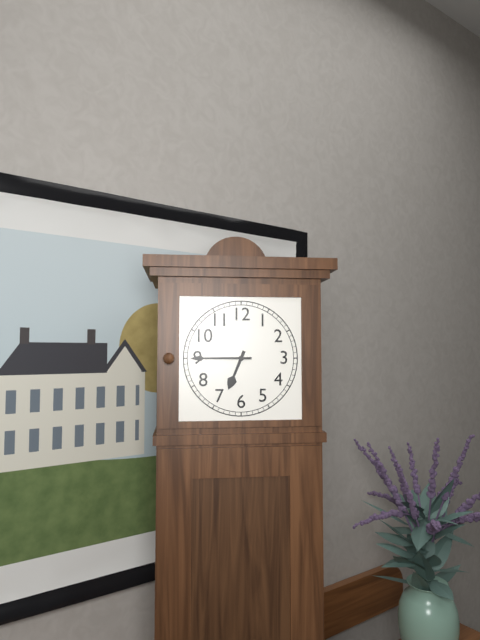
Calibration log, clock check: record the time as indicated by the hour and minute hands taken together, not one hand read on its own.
6:45
